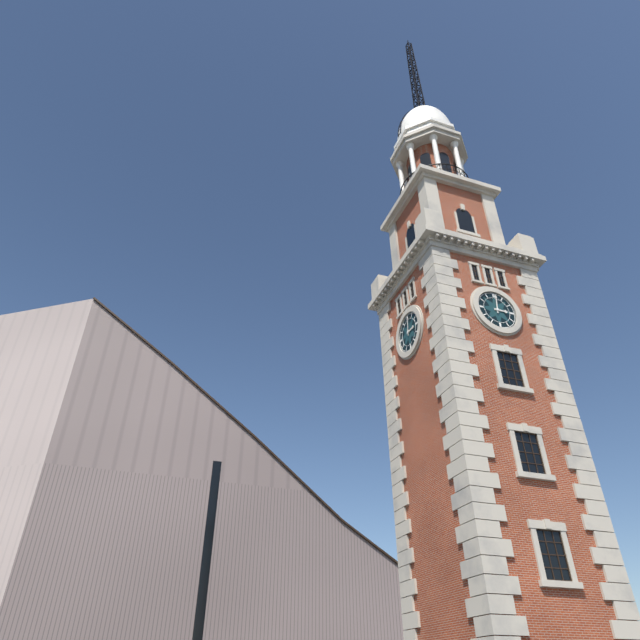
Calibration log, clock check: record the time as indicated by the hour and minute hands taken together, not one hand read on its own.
3:01
